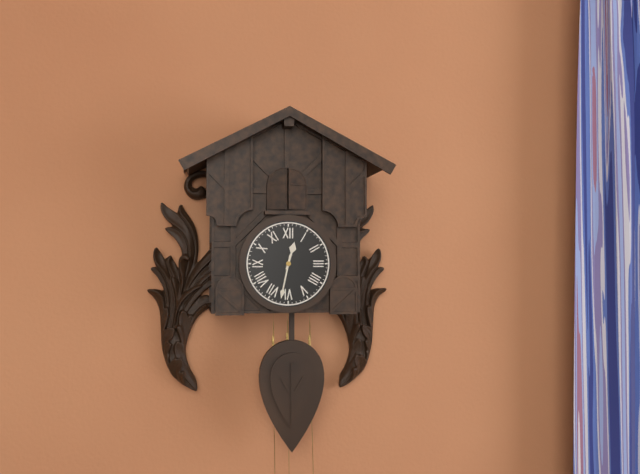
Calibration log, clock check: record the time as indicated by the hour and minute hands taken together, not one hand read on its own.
12:32
